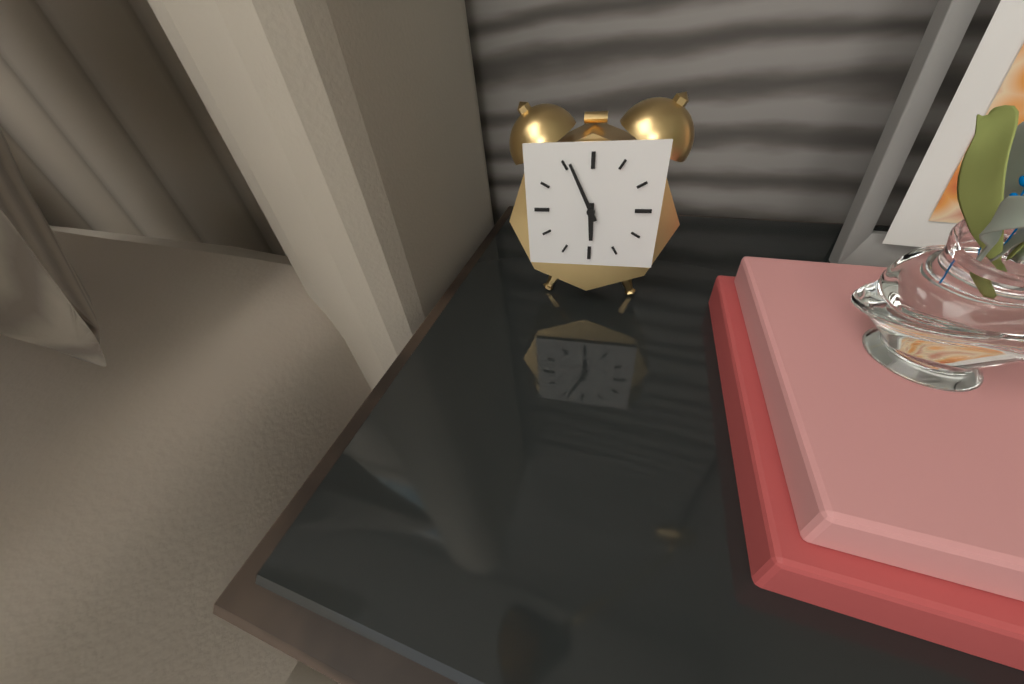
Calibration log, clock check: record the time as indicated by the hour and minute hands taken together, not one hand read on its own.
5:56
